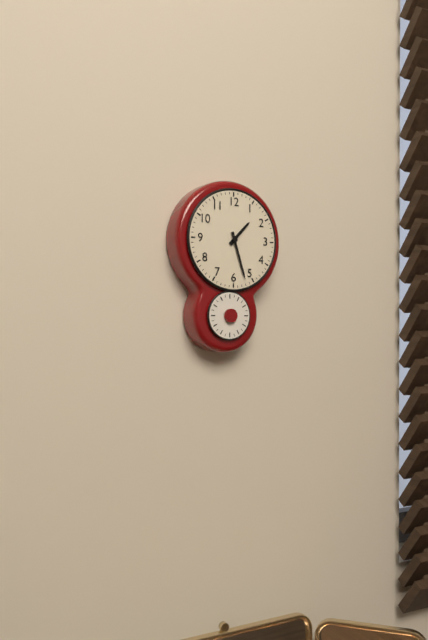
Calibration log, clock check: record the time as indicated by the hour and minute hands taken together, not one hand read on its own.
1:27
